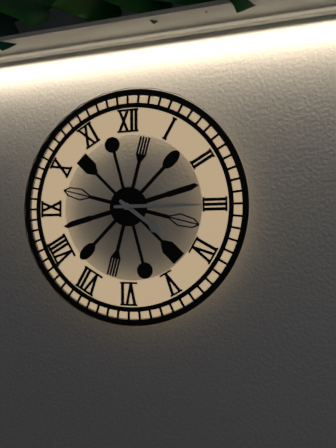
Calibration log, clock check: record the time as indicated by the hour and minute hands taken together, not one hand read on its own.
4:15
